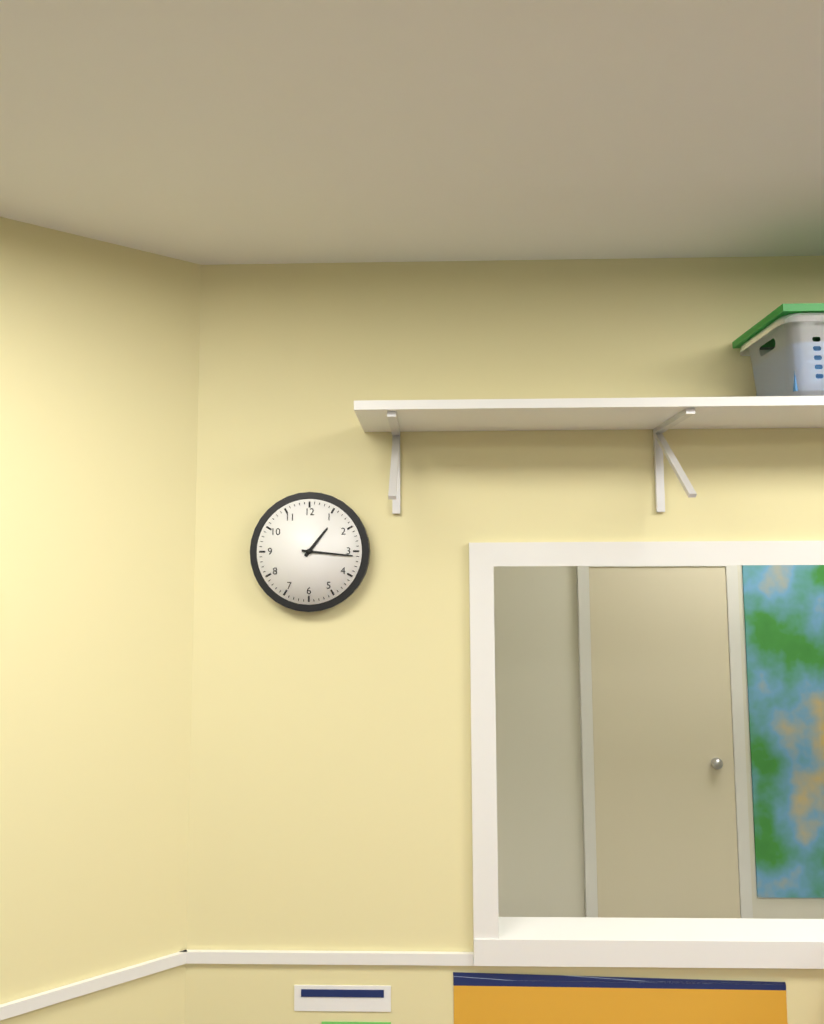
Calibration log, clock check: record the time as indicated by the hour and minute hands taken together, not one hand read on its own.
1:16
